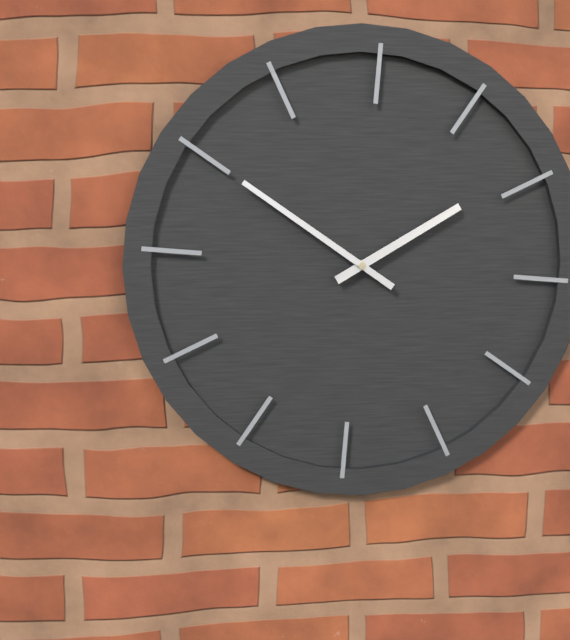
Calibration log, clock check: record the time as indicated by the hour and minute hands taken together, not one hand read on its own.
1:50
